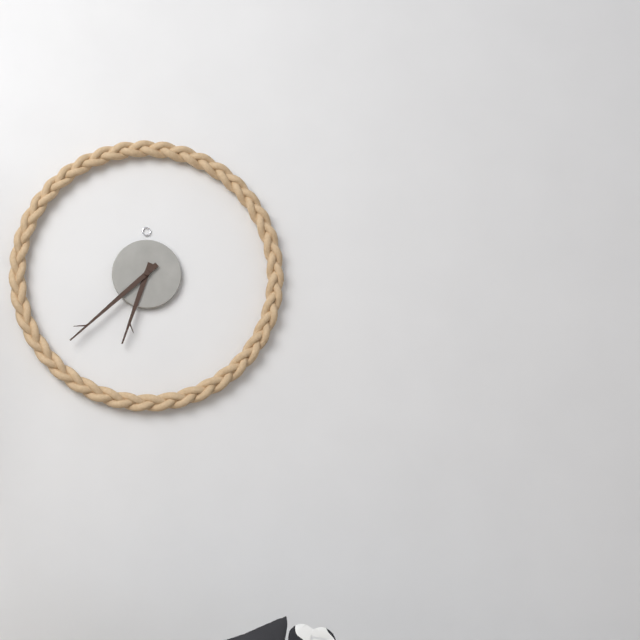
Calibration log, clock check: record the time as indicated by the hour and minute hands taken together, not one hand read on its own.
6:38
